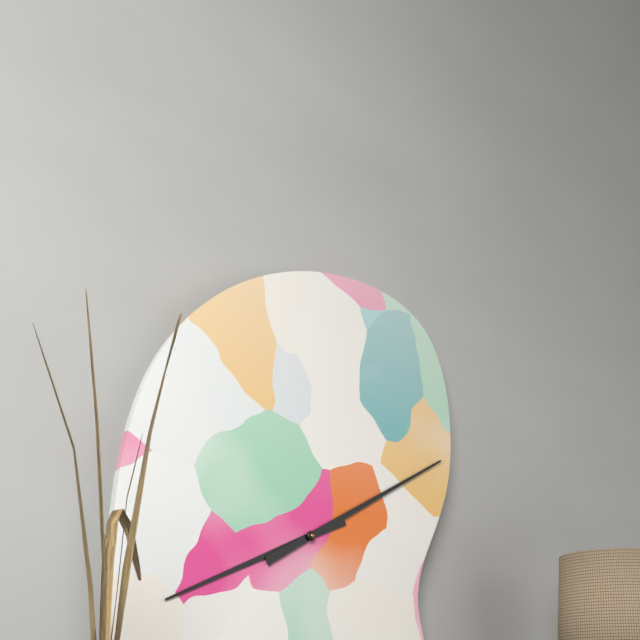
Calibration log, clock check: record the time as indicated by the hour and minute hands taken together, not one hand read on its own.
8:10
